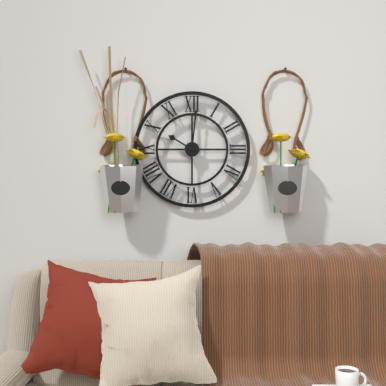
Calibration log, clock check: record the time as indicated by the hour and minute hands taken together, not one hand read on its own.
10:01
